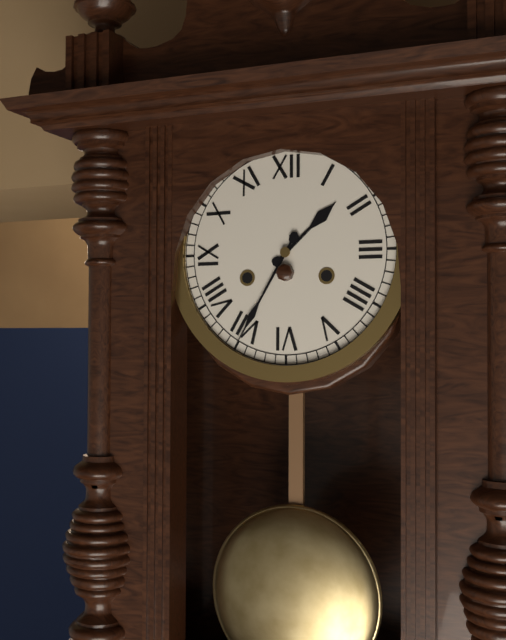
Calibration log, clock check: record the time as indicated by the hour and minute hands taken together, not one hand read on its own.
1:35
